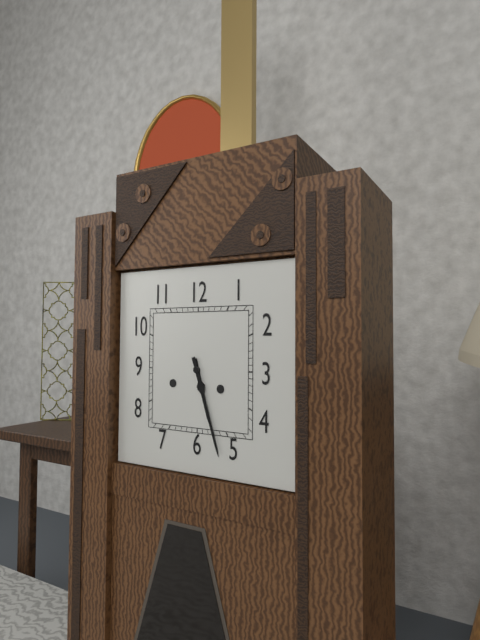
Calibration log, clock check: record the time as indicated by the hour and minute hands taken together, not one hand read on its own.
5:27
